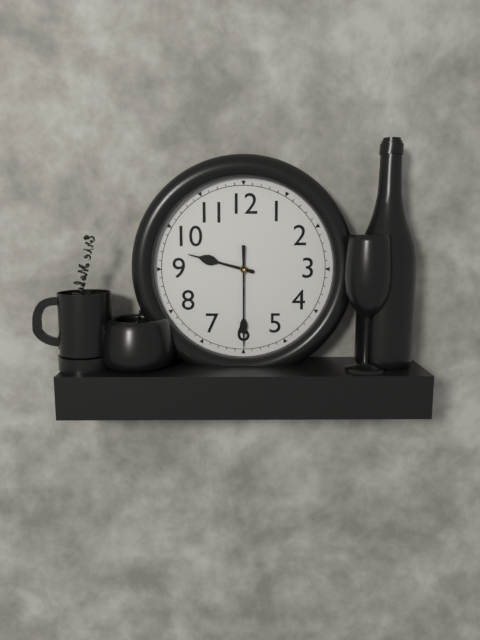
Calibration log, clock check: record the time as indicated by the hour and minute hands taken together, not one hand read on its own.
9:30
